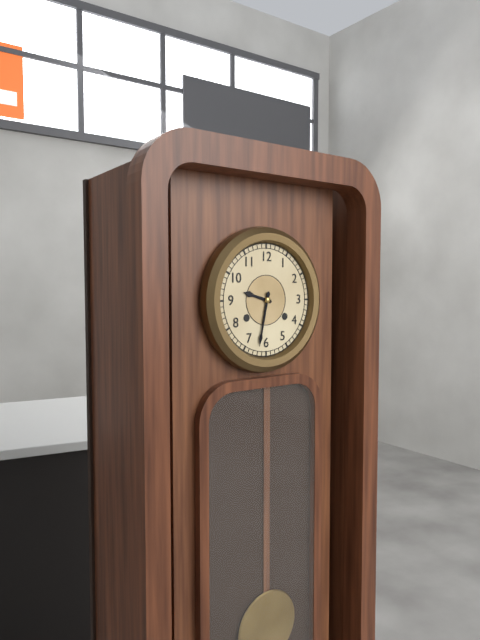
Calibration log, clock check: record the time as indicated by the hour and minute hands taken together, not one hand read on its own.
9:32
